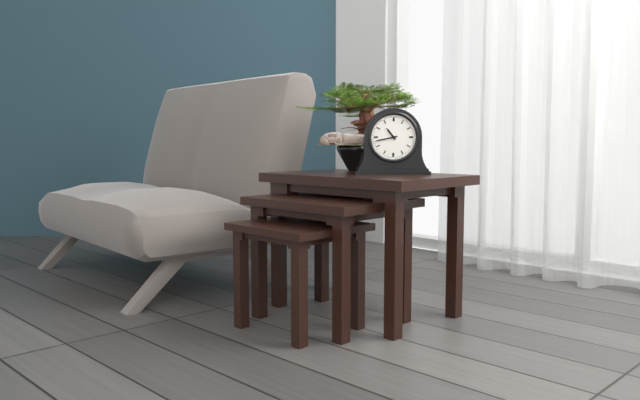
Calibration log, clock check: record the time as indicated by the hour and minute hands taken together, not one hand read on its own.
10:43
